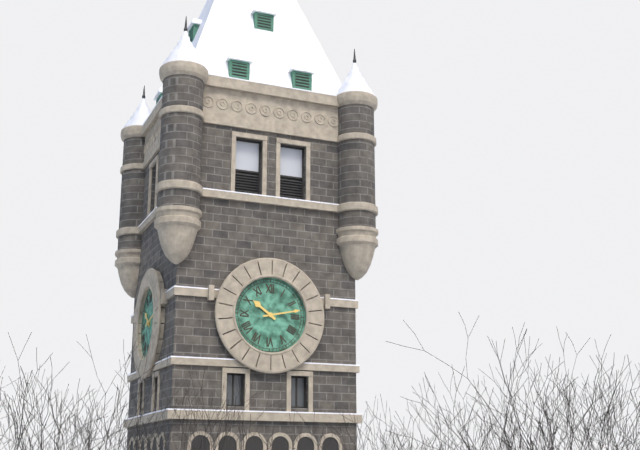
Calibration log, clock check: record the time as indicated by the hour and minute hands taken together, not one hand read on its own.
10:13
